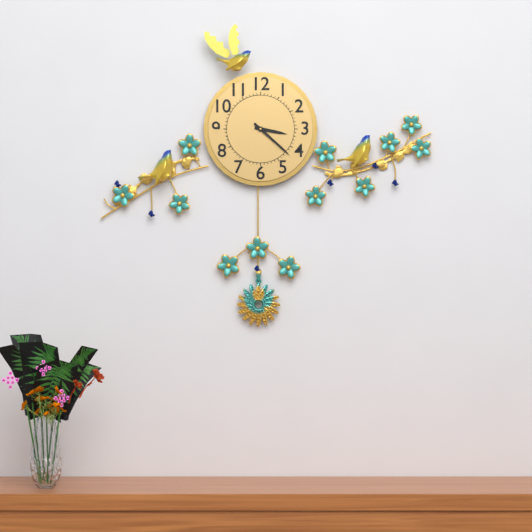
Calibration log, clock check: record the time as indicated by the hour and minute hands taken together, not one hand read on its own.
3:22
